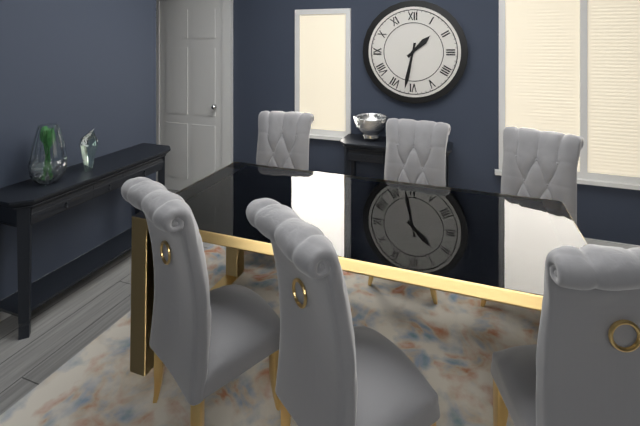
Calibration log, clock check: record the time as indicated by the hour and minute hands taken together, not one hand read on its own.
1:32
